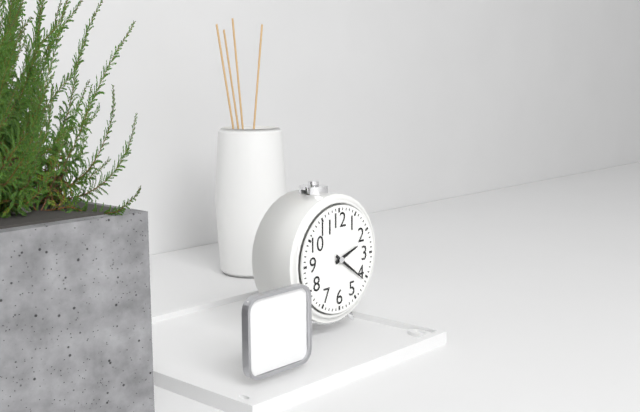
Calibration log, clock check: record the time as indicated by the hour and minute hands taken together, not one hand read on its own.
2:21
